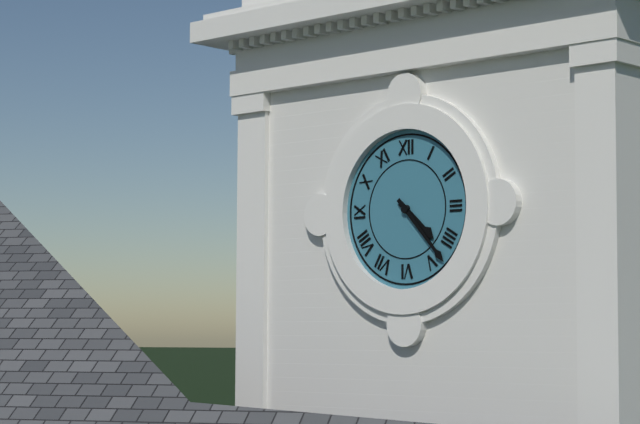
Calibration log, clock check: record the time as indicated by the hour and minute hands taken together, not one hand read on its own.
4:23
